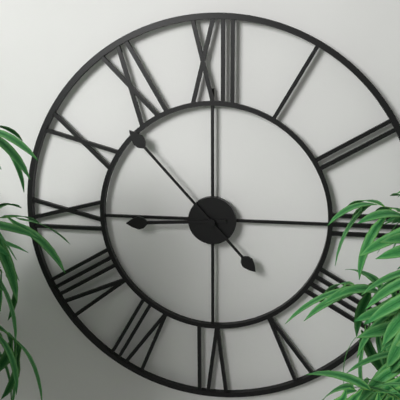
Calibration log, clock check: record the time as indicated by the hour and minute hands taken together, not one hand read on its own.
8:53
